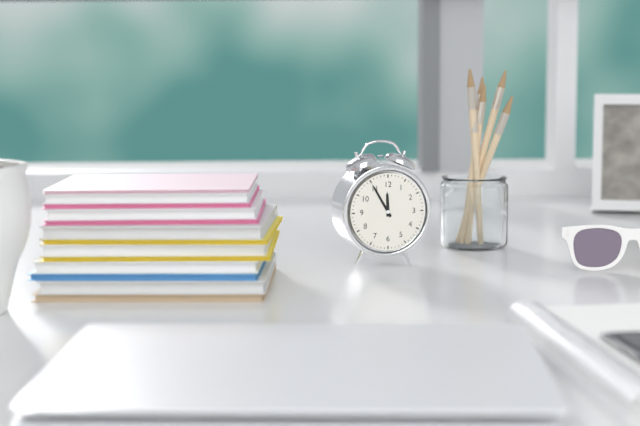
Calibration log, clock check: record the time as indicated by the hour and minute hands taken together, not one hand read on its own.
11:55
